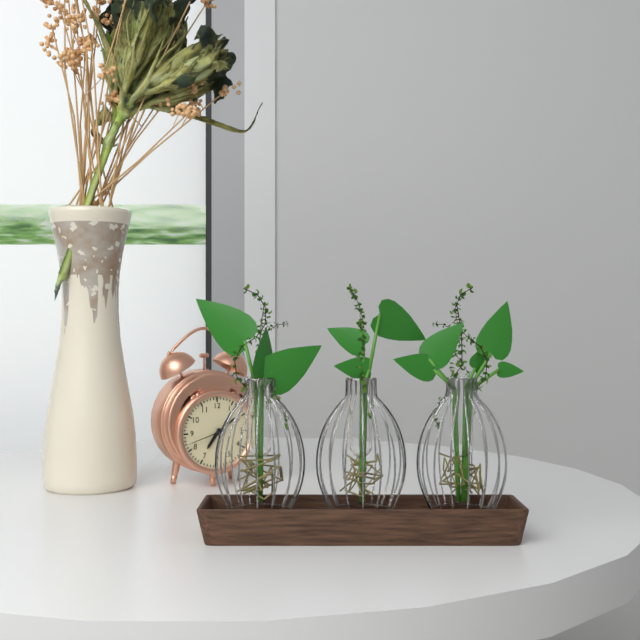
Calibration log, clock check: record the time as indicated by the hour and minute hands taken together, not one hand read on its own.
7:09
